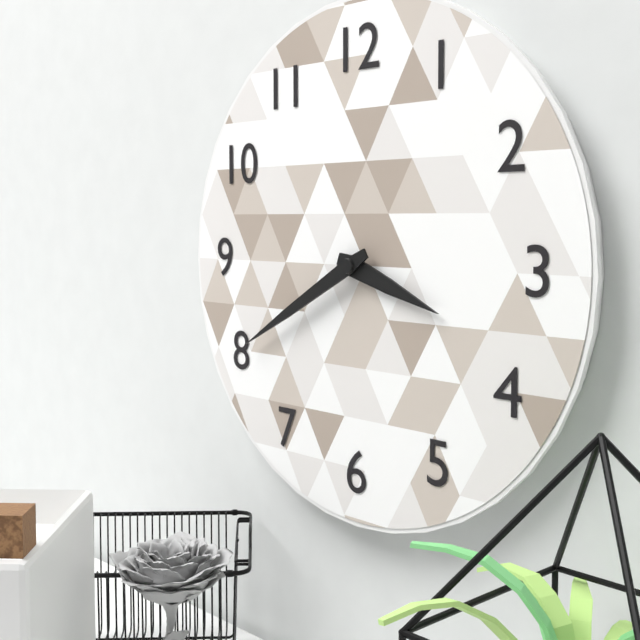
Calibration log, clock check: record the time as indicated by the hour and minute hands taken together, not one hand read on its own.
3:40
